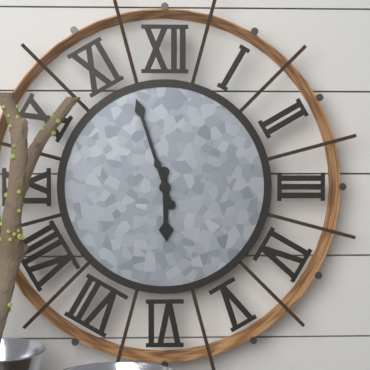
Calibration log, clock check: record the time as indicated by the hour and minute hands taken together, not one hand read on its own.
5:57
